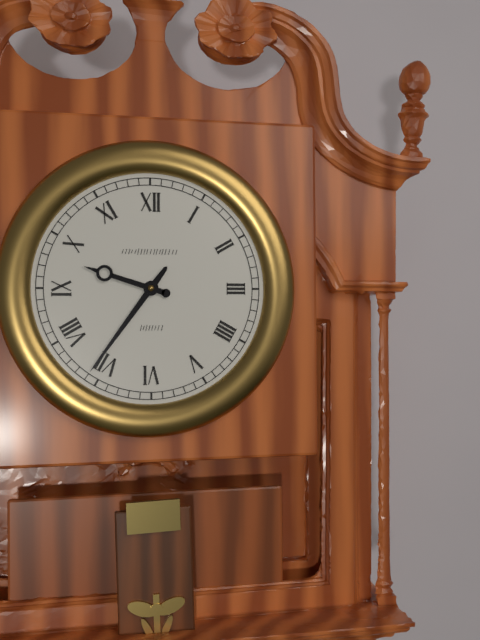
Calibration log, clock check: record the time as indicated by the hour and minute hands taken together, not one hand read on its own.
9:36
